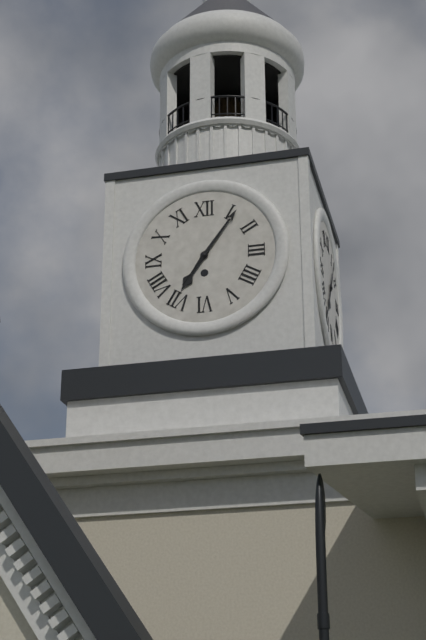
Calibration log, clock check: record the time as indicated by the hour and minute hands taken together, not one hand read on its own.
7:06
